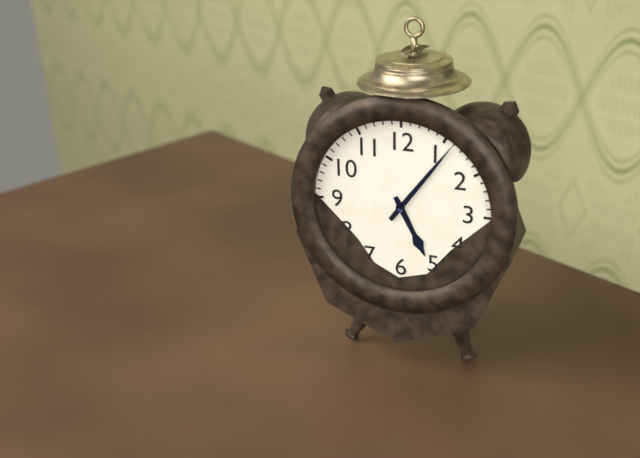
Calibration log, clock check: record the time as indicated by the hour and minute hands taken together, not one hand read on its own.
5:06
